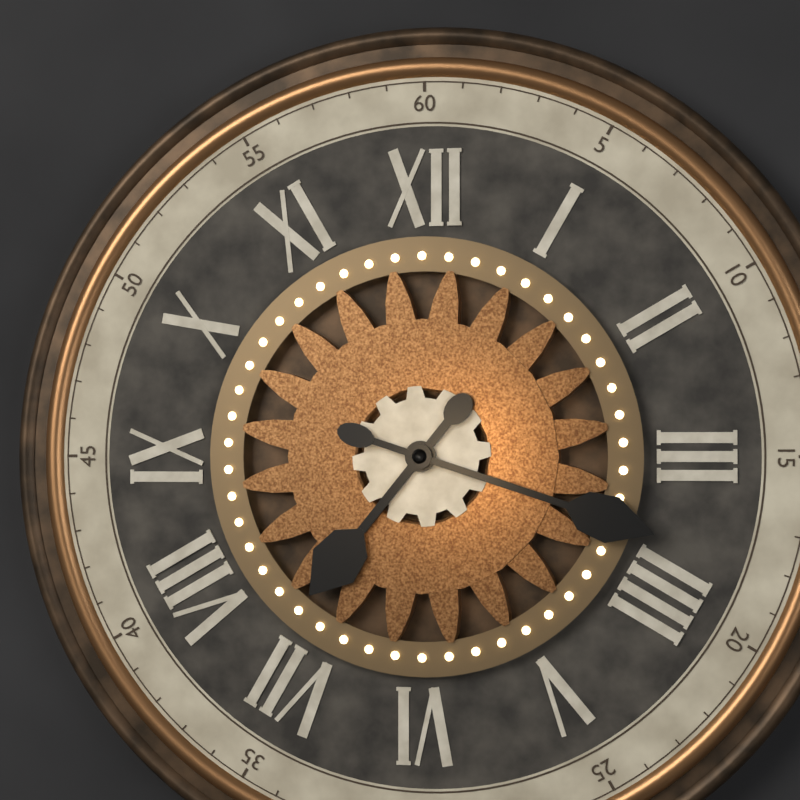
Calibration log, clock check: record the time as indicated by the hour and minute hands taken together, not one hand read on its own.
7:18
